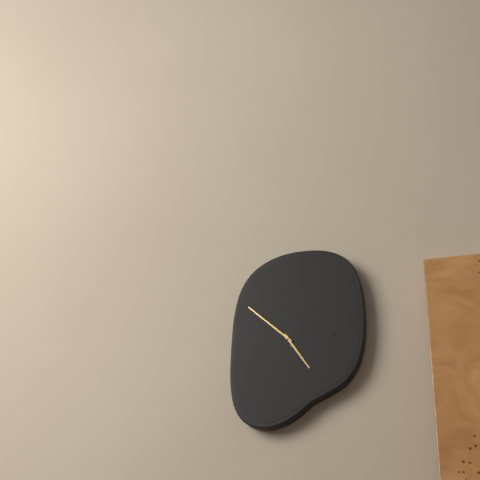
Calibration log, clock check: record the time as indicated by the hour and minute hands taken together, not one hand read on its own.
4:52
